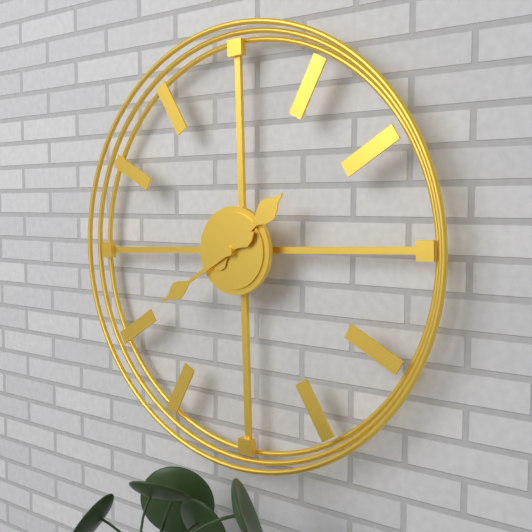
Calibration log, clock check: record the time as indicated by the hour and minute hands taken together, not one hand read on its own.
1:40
